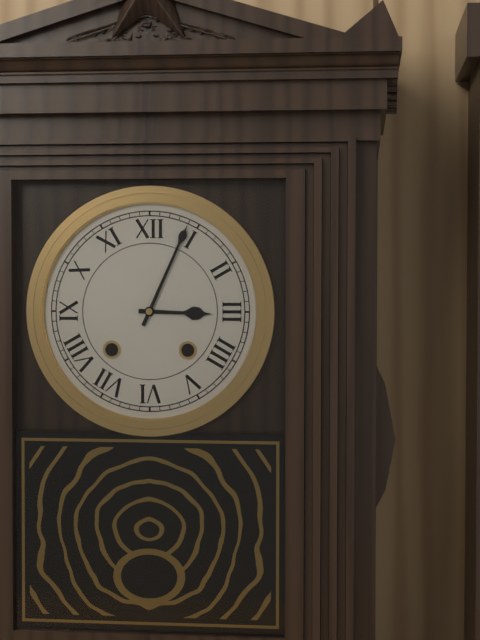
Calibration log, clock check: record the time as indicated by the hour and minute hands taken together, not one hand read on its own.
3:04
